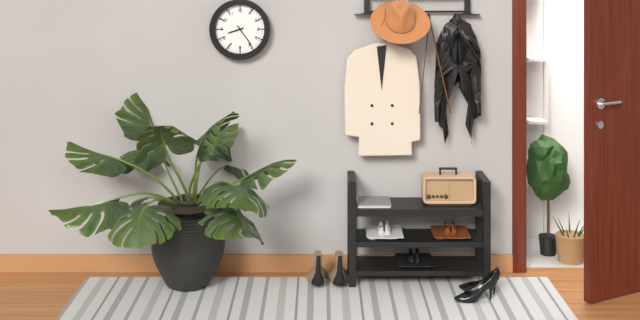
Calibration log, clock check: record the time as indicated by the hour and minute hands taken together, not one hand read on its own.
8:24
